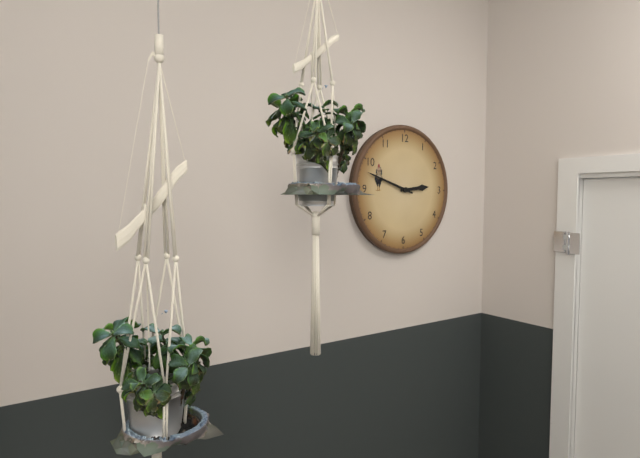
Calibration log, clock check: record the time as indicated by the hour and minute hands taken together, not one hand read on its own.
2:48
